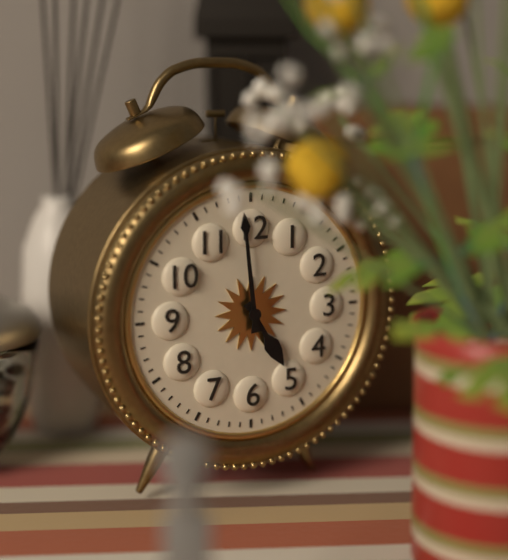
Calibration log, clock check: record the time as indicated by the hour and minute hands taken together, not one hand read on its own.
4:59
